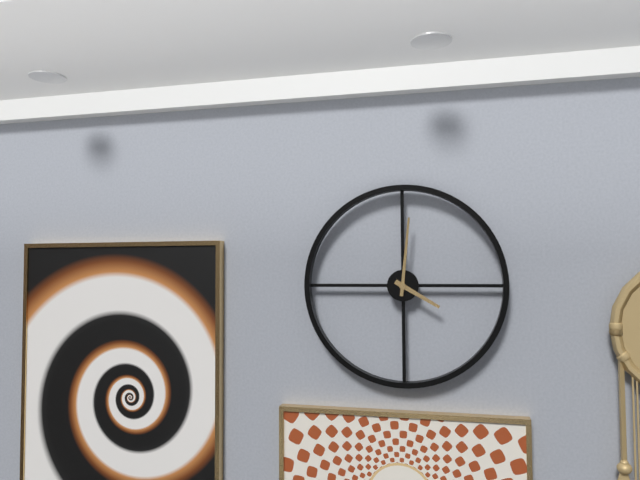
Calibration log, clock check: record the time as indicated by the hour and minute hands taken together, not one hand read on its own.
4:01
